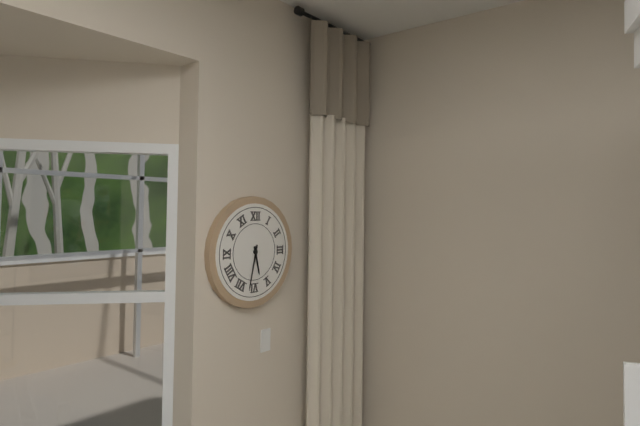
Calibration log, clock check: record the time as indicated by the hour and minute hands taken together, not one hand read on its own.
5:32
